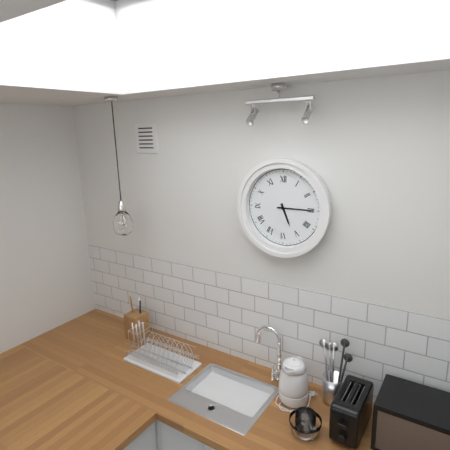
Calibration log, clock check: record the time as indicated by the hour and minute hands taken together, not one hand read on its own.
5:15
